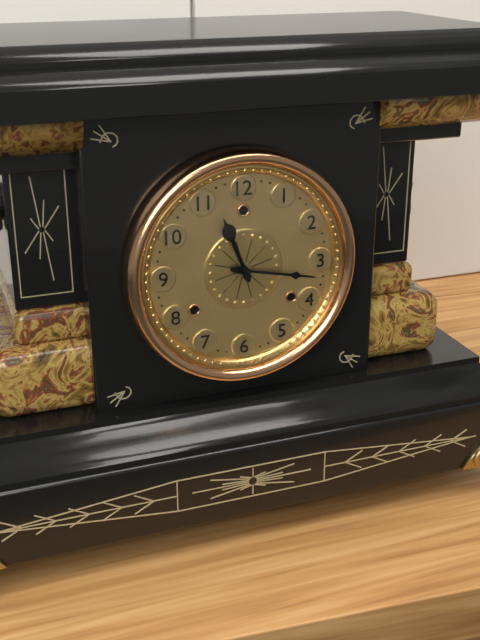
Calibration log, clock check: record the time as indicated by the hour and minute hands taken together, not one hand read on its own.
11:17
